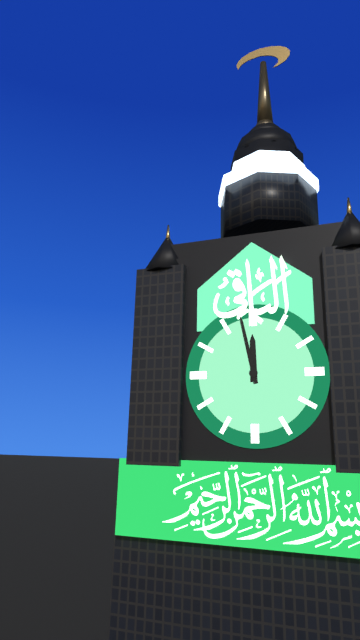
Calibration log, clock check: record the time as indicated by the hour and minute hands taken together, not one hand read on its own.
11:58
